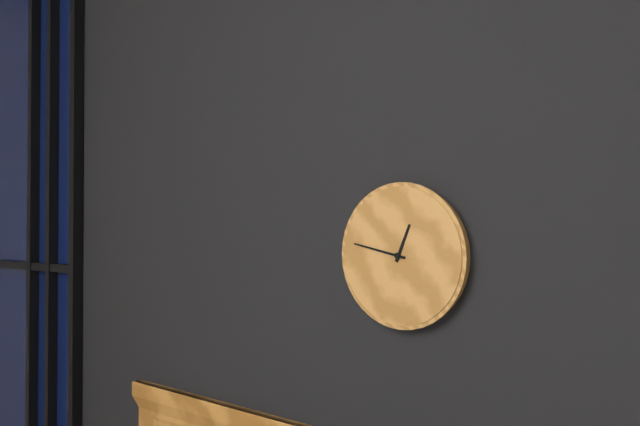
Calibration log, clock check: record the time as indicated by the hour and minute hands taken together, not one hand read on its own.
12:47
